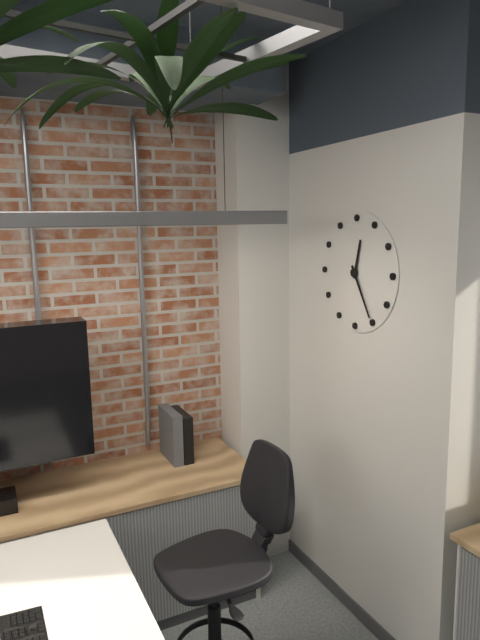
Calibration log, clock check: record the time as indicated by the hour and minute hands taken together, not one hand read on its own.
12:25
